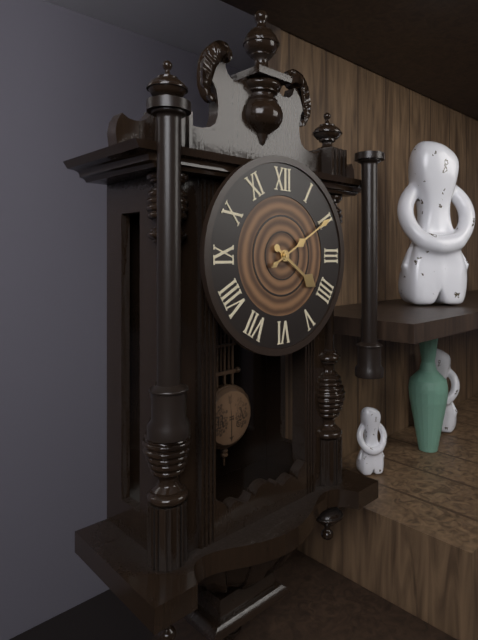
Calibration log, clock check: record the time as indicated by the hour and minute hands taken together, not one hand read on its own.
4:10
